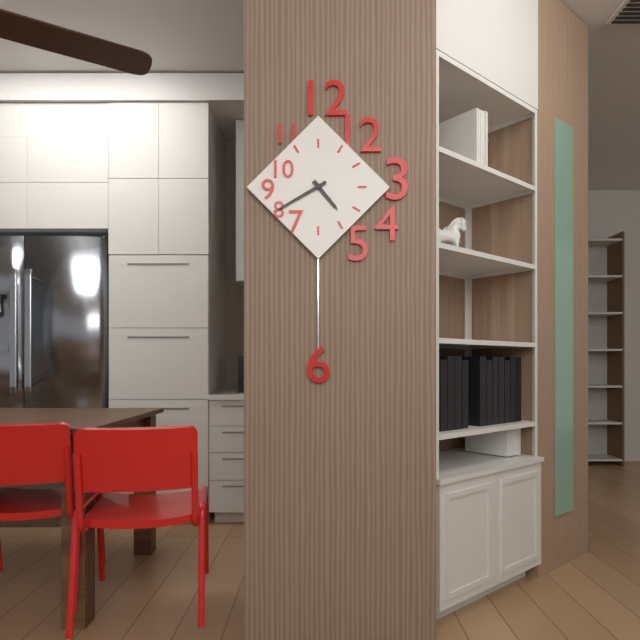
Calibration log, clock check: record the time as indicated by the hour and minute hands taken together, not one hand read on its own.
4:40
